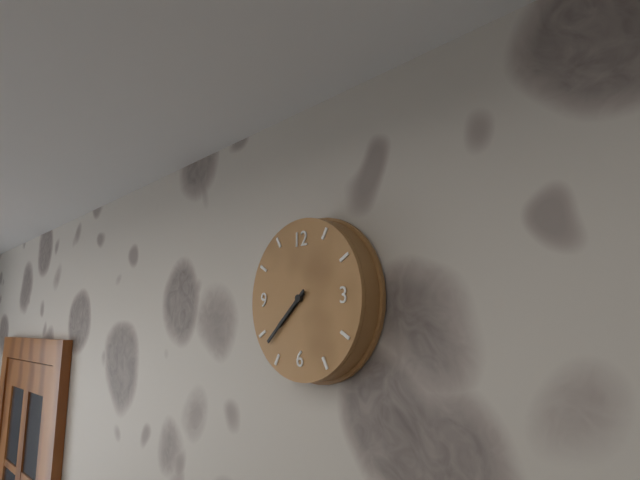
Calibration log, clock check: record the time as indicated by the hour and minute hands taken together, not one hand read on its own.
7:38
